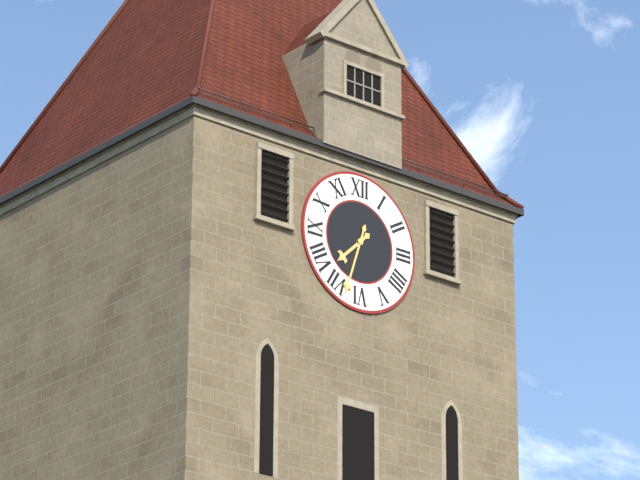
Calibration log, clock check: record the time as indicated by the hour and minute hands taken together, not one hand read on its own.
7:33
